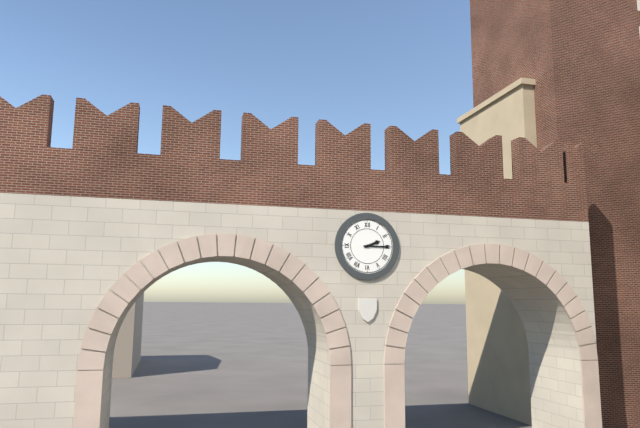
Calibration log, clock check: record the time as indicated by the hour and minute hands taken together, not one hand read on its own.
2:15
